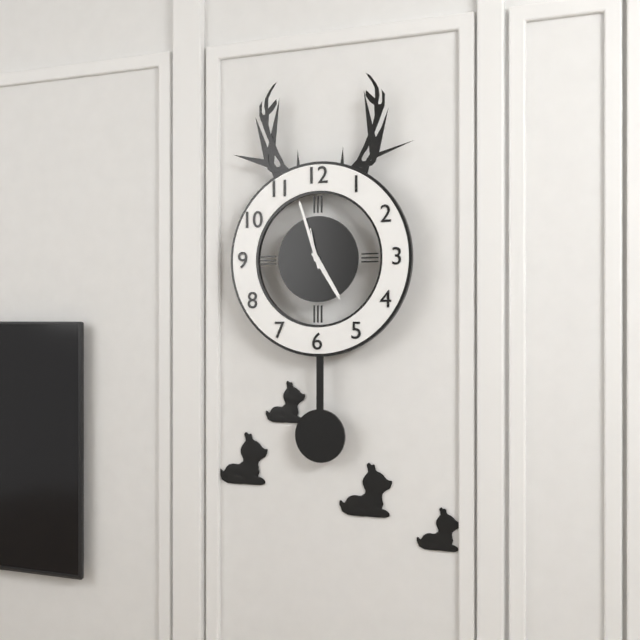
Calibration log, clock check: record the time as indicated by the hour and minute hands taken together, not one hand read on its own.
4:57
